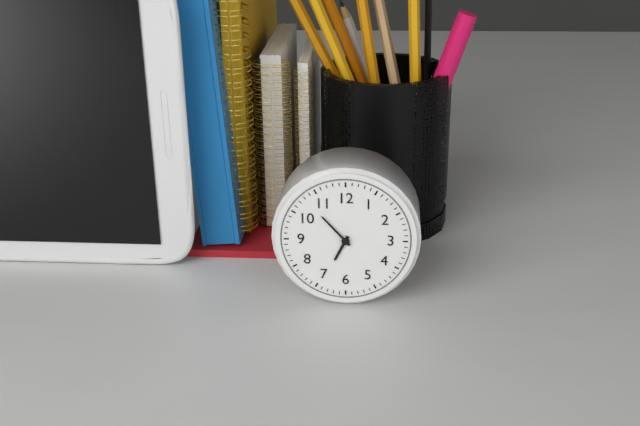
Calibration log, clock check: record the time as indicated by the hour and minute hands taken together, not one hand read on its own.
6:53
